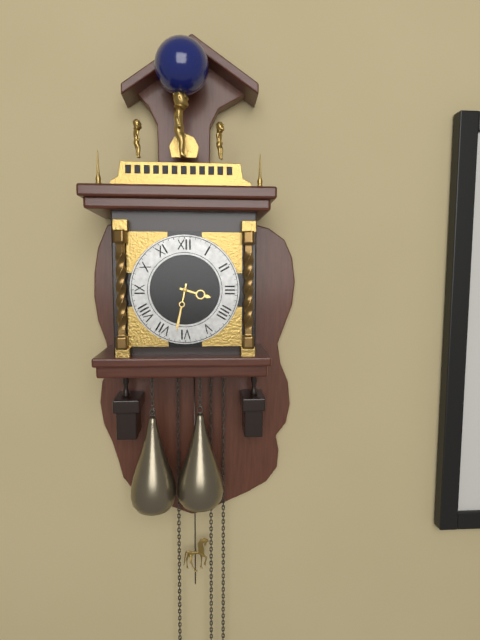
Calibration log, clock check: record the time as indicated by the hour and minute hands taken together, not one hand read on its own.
3:32
